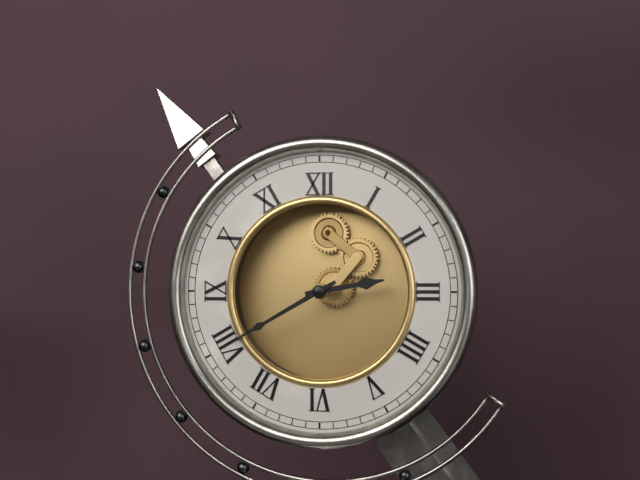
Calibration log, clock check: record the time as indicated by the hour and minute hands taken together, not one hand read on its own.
2:40
